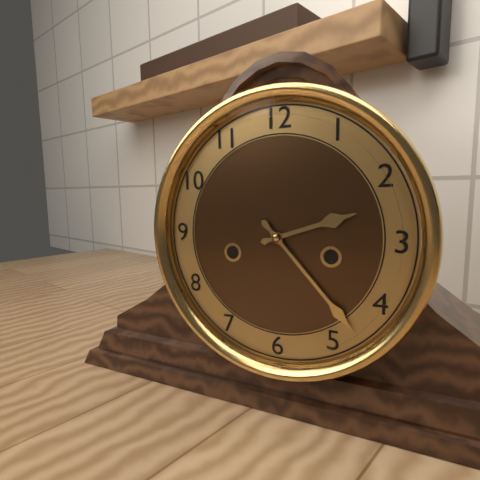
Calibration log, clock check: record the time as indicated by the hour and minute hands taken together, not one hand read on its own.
2:23
